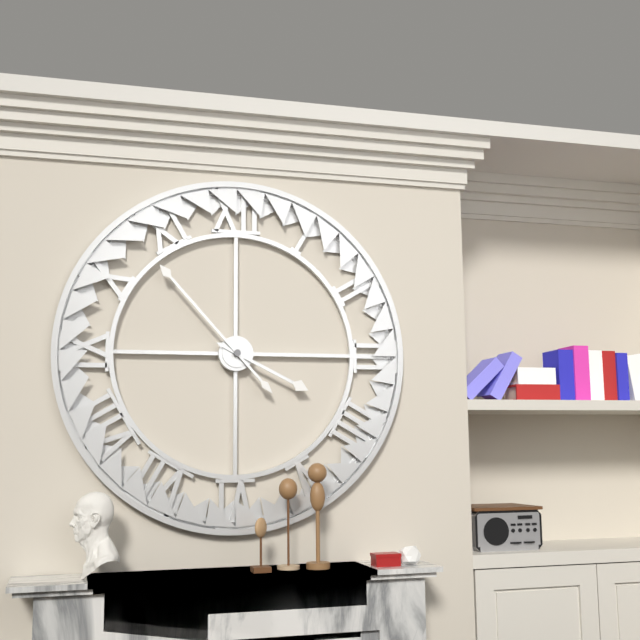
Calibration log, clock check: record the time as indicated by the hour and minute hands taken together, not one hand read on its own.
3:53
